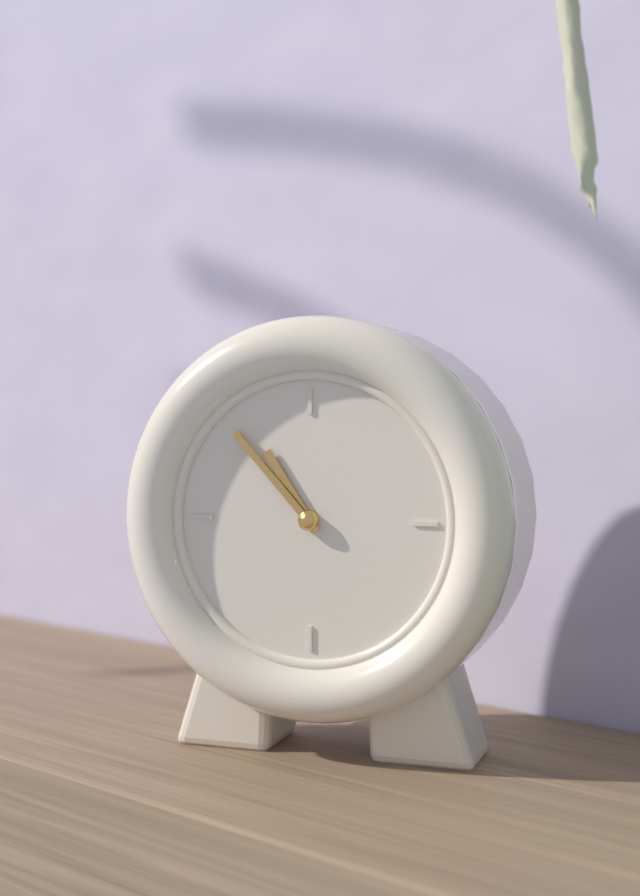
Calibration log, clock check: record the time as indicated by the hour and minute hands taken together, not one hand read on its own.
10:53
